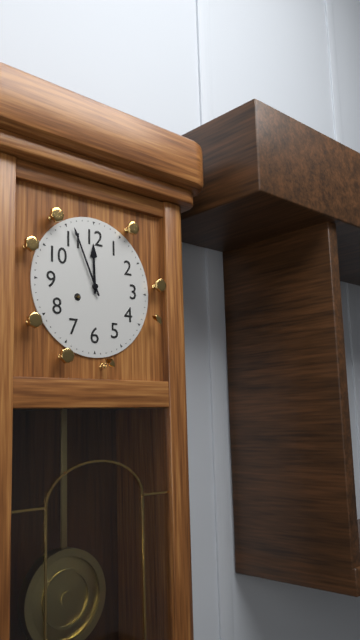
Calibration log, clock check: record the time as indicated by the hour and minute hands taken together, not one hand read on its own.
11:56
